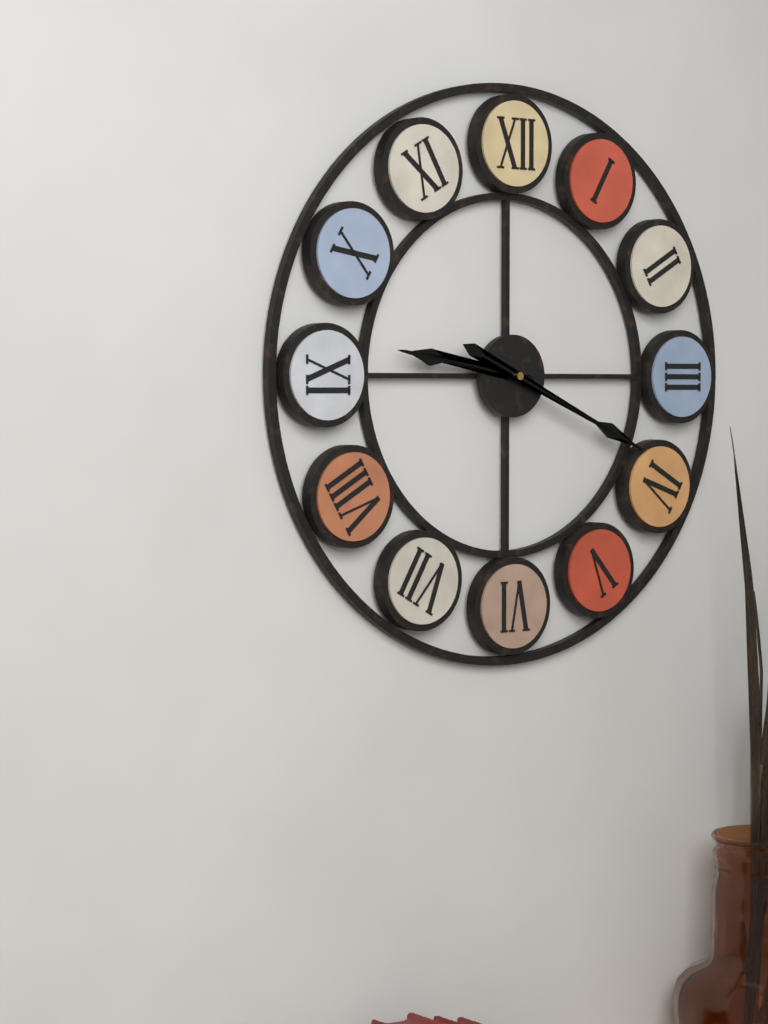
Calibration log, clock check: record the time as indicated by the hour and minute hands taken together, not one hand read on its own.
9:19
